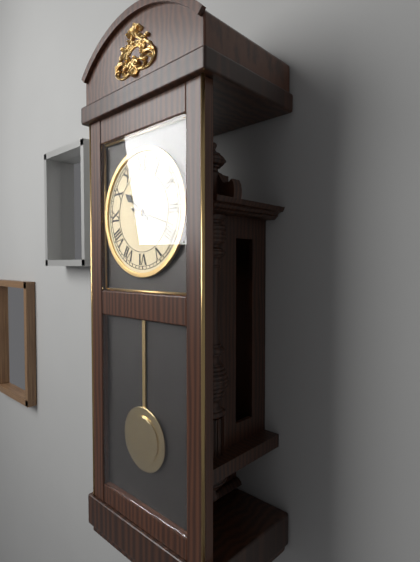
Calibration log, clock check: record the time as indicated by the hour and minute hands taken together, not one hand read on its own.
10:18
